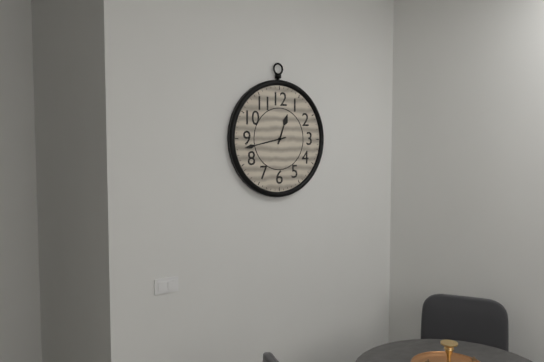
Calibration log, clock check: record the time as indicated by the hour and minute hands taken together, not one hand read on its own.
12:43
